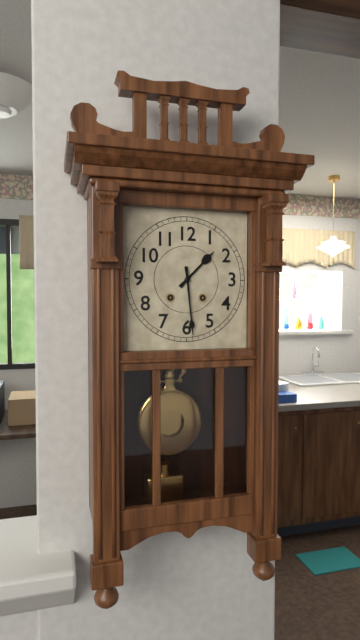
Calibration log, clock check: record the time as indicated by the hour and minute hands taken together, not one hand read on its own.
1:29
